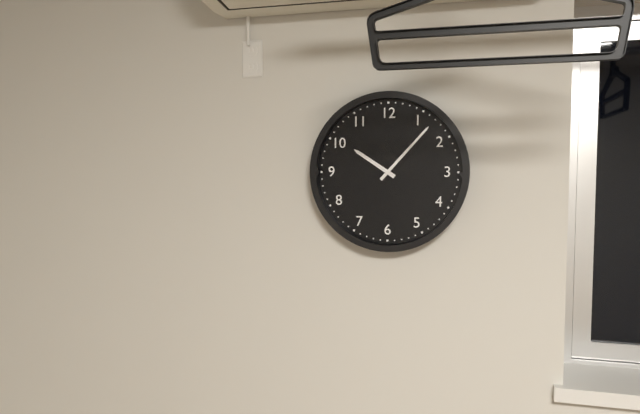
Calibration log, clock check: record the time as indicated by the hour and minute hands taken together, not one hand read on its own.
10:07
